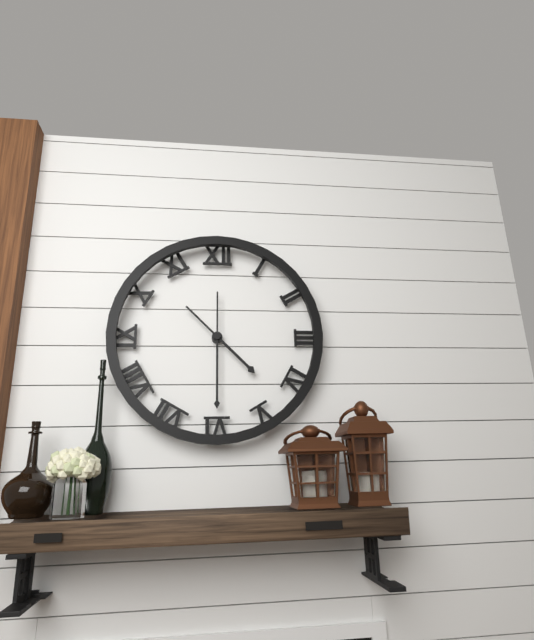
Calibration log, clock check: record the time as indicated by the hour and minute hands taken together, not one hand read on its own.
4:30
